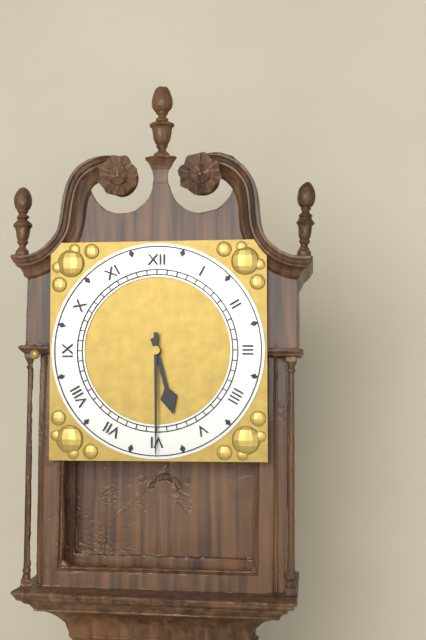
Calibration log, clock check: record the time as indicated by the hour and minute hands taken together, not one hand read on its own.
5:30
